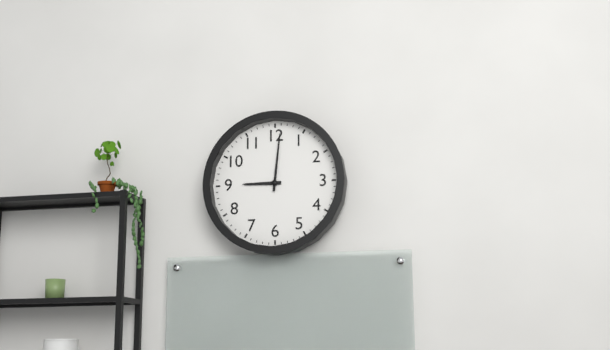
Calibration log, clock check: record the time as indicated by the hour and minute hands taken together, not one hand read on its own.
9:01
